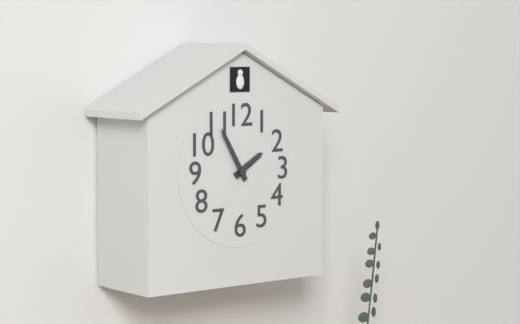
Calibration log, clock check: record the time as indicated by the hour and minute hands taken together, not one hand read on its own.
1:55
